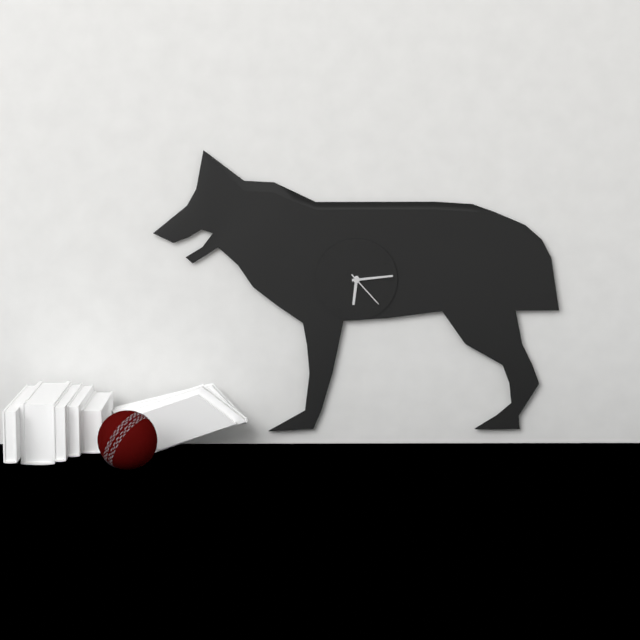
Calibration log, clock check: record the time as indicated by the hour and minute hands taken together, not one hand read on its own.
6:14
